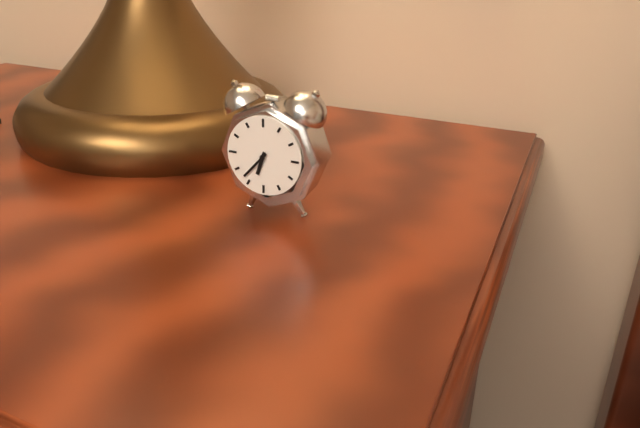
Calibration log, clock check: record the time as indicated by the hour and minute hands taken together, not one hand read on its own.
6:37
